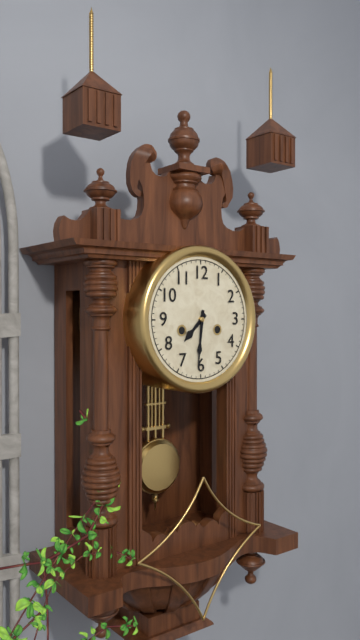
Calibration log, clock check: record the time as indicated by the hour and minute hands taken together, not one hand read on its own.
7:31
